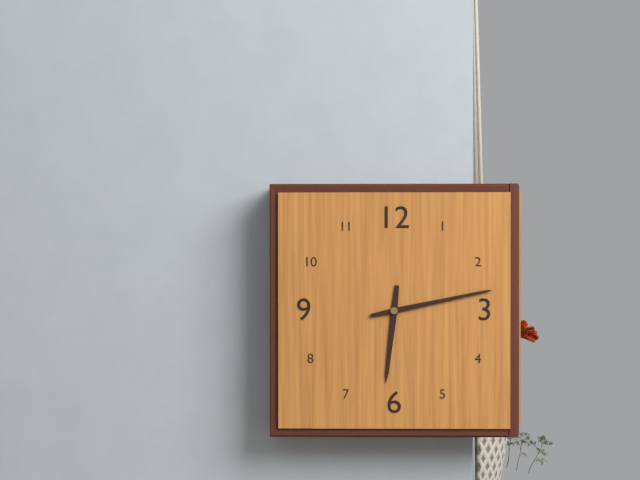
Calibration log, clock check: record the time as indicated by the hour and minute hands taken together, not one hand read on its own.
6:13
